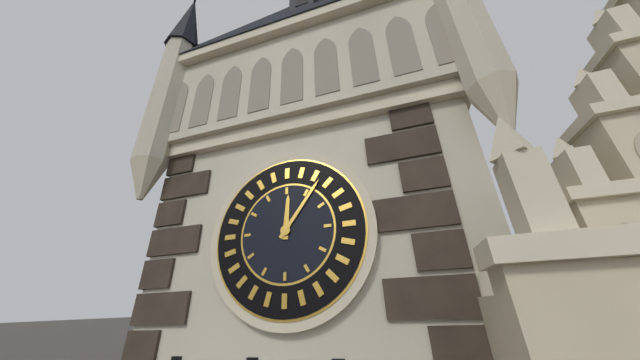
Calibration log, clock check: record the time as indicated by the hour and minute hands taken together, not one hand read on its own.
12:06
